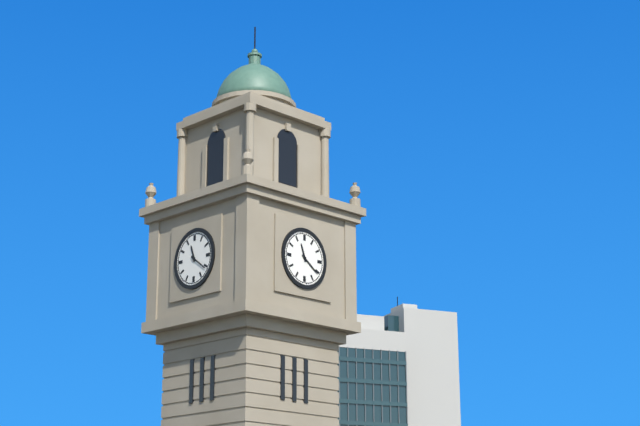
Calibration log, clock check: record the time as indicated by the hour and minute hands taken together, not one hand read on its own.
11:21
